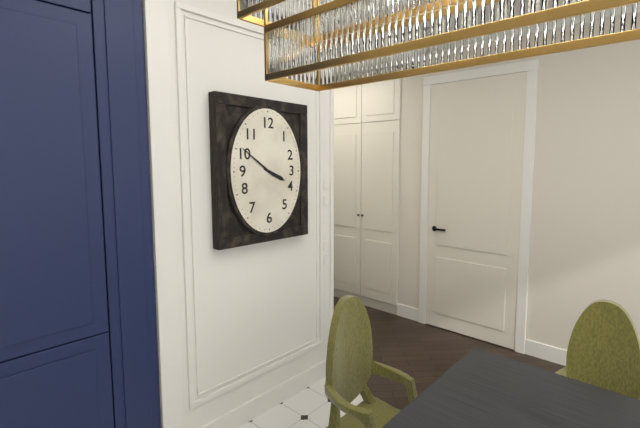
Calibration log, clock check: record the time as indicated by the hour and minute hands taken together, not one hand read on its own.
3:51
